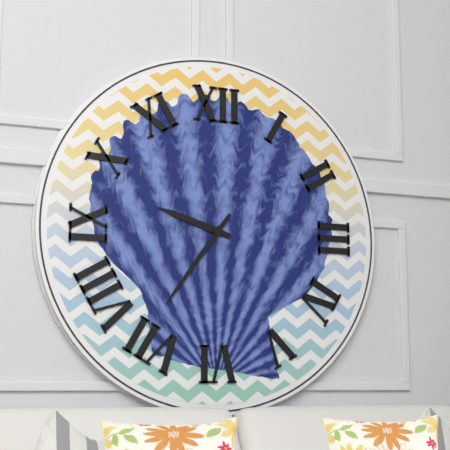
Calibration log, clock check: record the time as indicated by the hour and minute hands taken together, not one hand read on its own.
9:36
